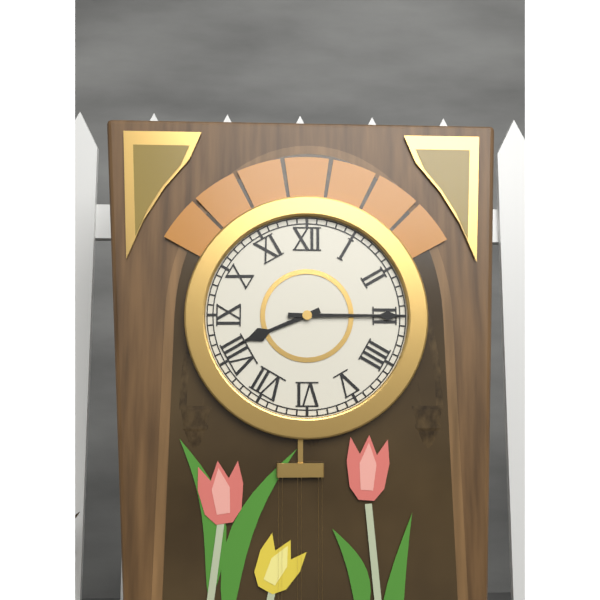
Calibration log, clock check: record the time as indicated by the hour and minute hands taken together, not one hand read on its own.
8:15
